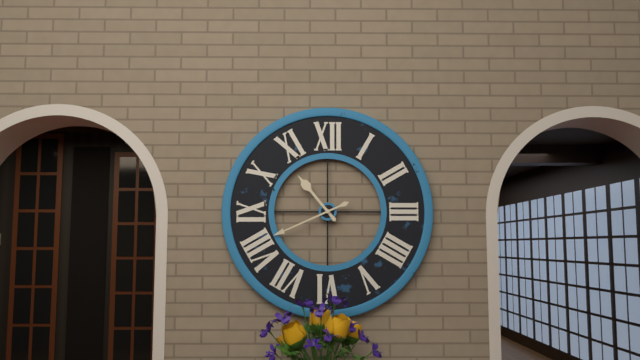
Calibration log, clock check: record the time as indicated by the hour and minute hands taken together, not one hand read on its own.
10:41
